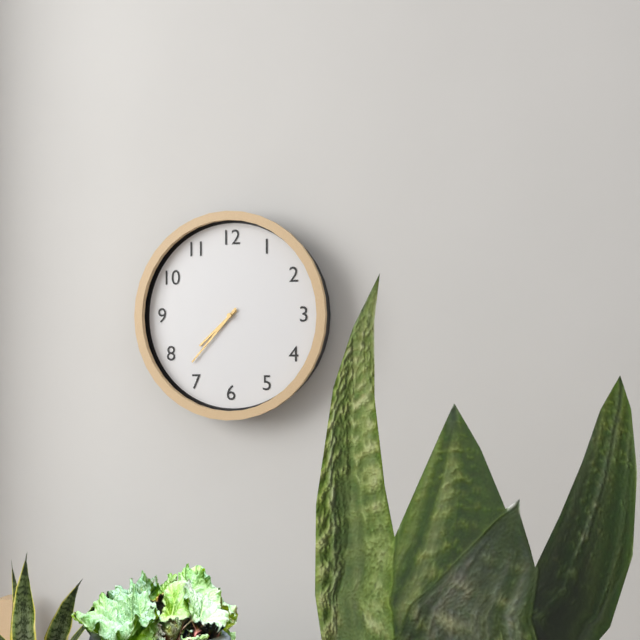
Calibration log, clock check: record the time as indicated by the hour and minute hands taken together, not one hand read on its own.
7:37
